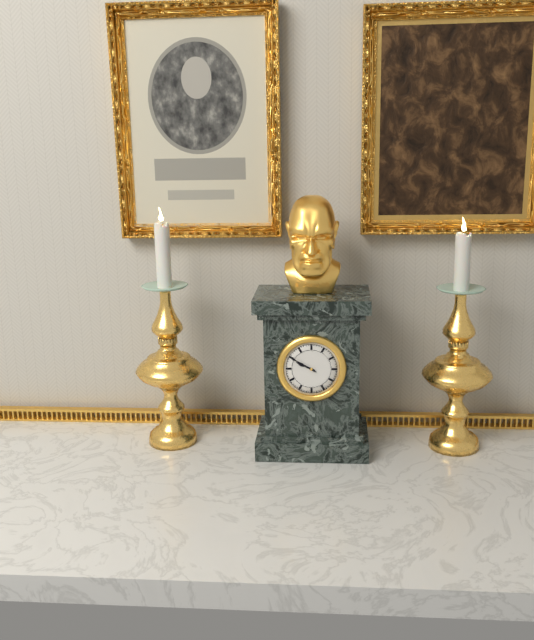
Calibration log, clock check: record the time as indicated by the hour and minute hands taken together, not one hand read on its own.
9:50
